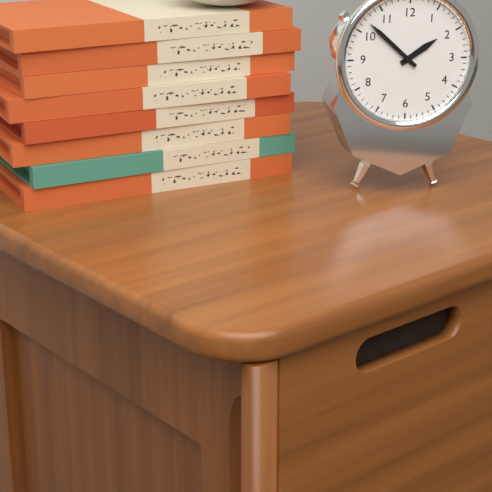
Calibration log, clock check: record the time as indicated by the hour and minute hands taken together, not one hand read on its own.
1:52
